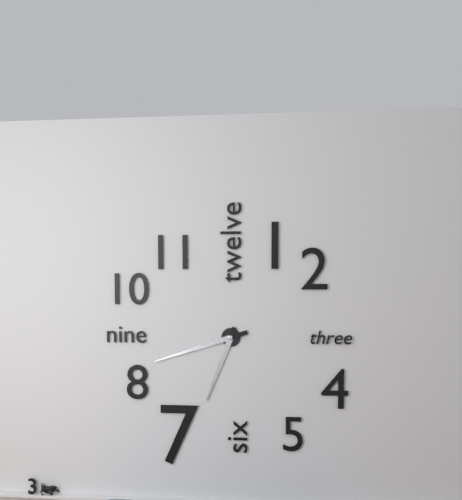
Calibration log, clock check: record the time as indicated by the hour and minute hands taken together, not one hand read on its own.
6:42
